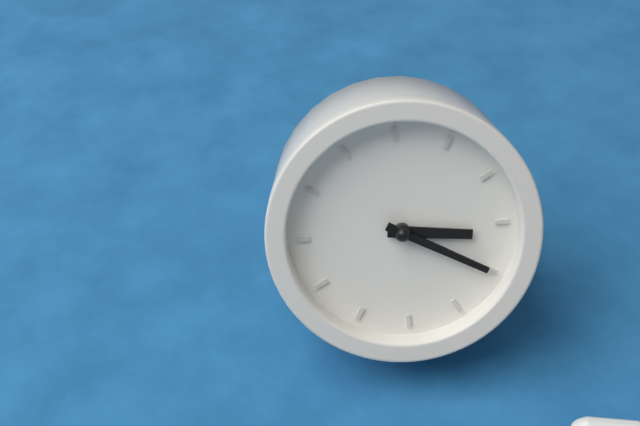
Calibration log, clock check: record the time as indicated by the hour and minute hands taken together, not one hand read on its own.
2:15
